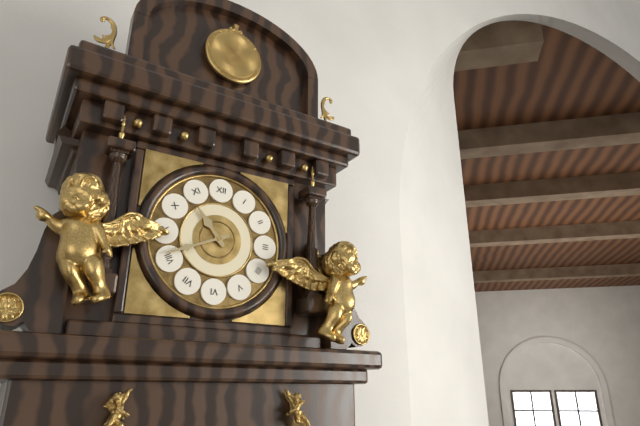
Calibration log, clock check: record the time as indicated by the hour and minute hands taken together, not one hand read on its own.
10:41
